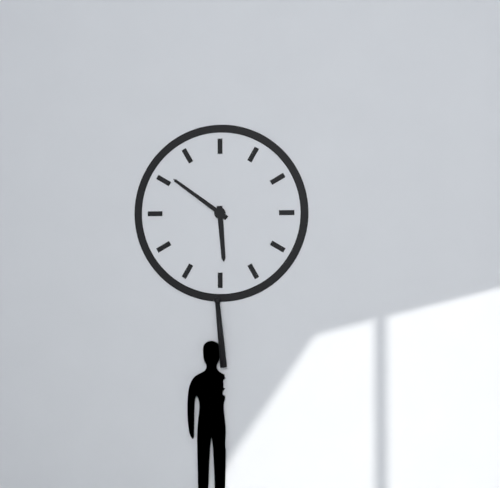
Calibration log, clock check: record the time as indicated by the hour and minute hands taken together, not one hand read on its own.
5:51
